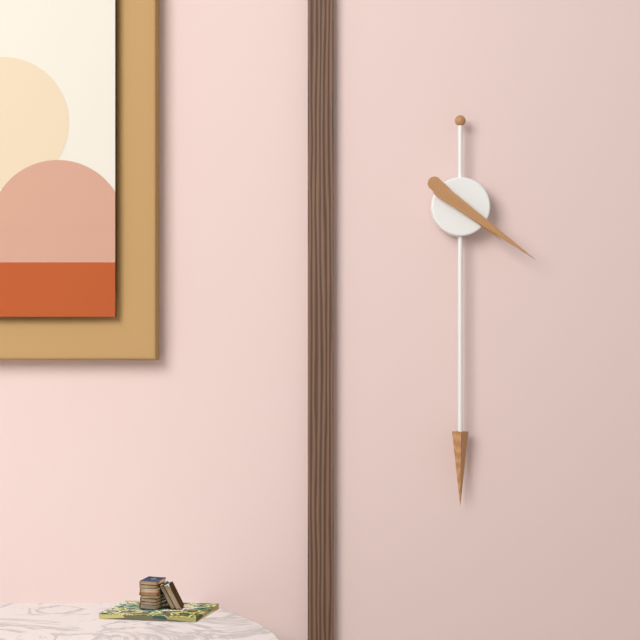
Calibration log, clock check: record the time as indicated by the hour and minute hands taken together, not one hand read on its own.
4:21
